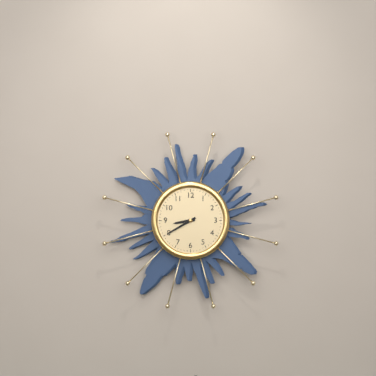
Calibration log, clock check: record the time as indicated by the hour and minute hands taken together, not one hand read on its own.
8:40
